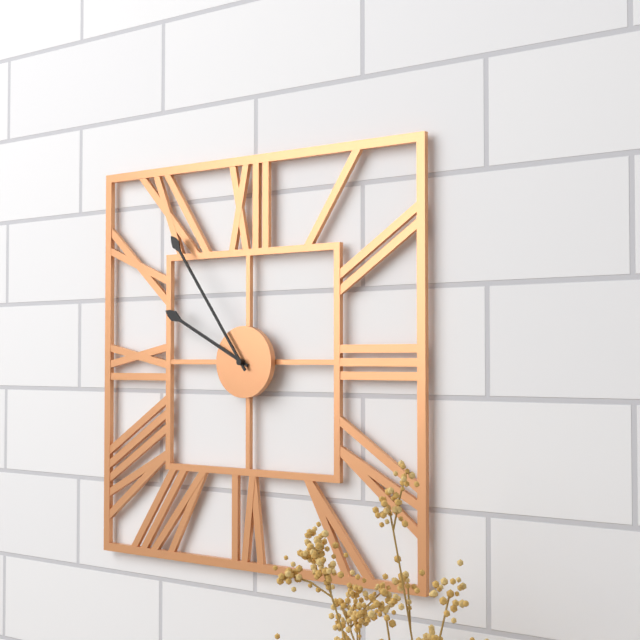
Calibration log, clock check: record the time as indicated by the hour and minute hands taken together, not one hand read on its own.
9:54
